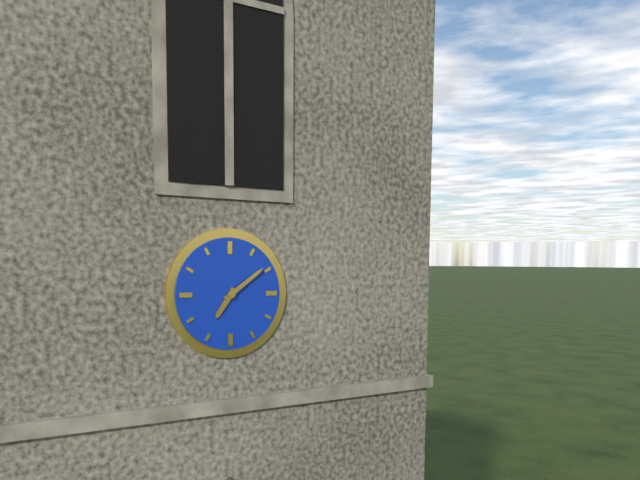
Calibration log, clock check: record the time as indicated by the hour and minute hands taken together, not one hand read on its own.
7:09
